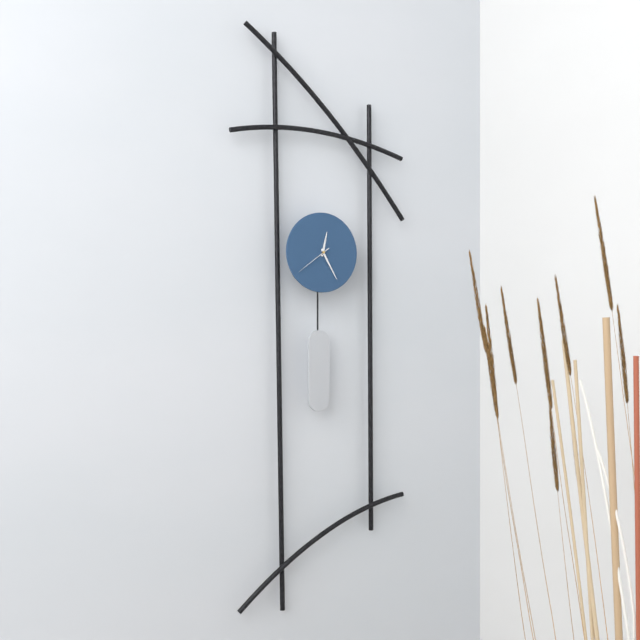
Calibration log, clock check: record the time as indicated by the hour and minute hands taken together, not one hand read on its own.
12:25
